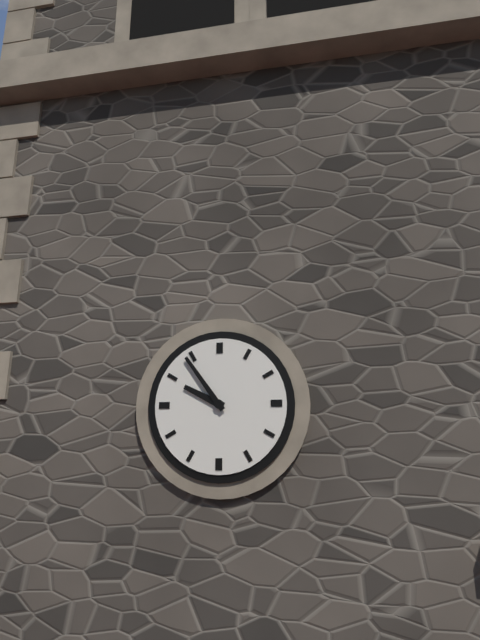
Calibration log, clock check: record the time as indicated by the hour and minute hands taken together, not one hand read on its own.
9:54
